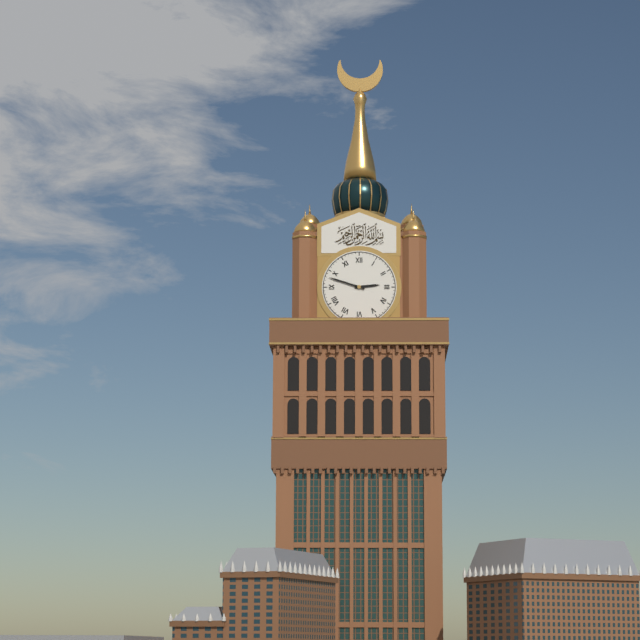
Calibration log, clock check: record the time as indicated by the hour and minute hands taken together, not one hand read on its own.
2:48
